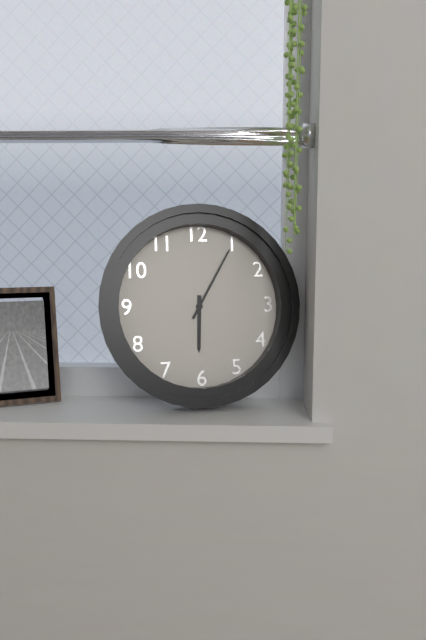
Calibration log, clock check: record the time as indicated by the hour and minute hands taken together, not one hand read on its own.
6:05
